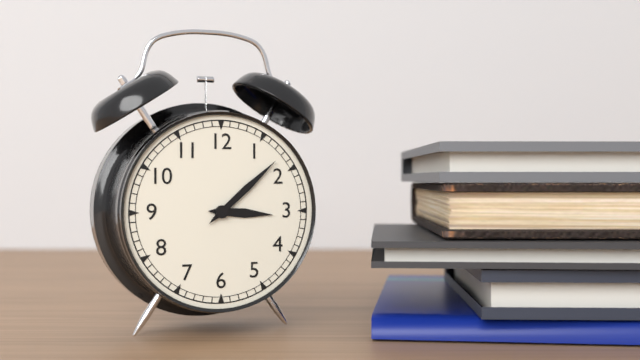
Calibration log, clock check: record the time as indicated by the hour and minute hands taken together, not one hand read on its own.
3:08
